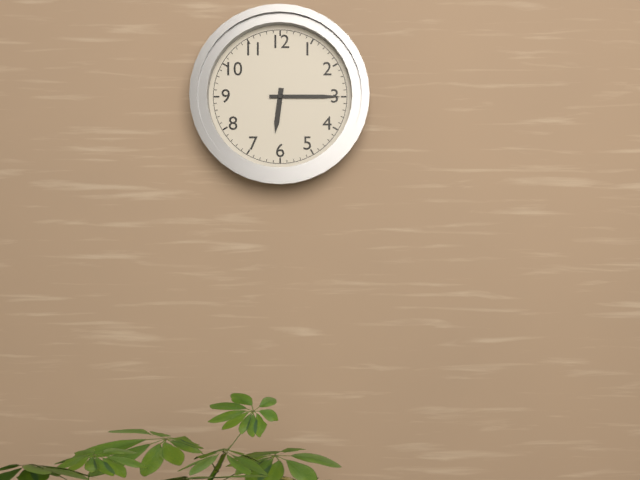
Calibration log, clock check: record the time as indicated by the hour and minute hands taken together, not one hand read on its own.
6:15
